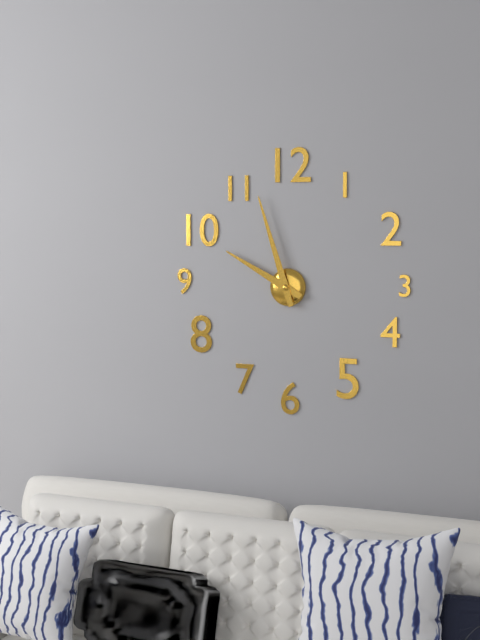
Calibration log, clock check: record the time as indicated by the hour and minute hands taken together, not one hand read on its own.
9:57
